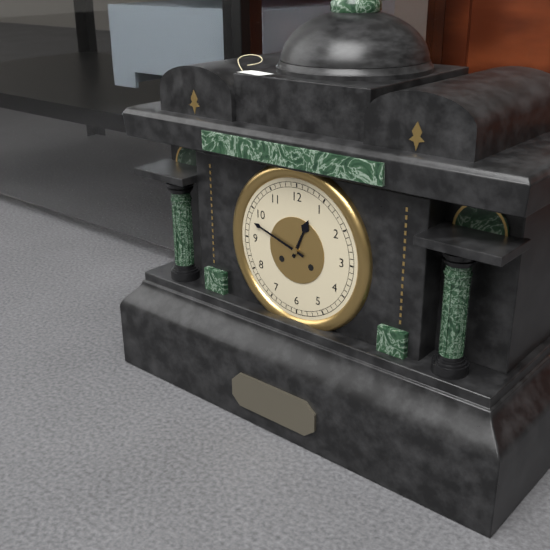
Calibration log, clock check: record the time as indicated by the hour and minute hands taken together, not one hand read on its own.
12:48
